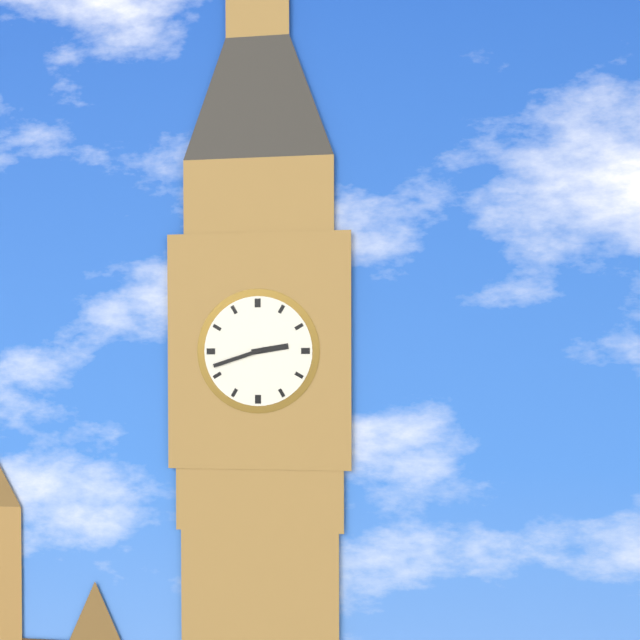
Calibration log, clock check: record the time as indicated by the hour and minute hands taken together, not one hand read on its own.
2:42
